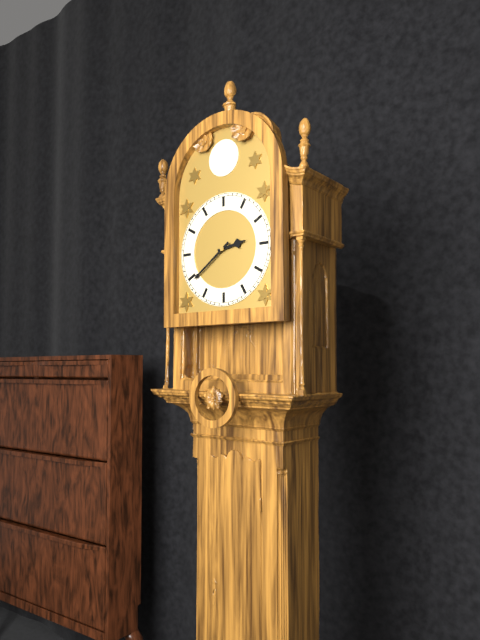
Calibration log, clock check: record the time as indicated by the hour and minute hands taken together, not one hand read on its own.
2:39
